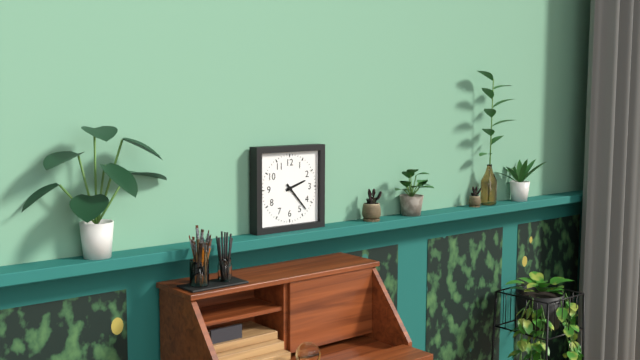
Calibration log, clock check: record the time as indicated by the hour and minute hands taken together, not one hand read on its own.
2:23
